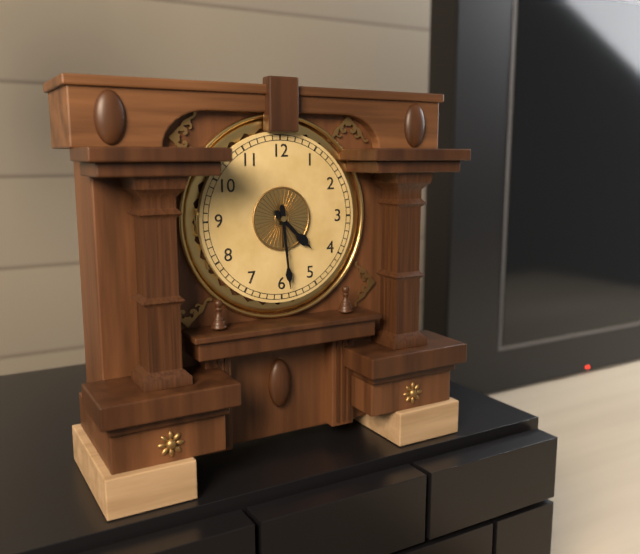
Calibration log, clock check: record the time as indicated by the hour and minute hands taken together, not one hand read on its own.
4:29
